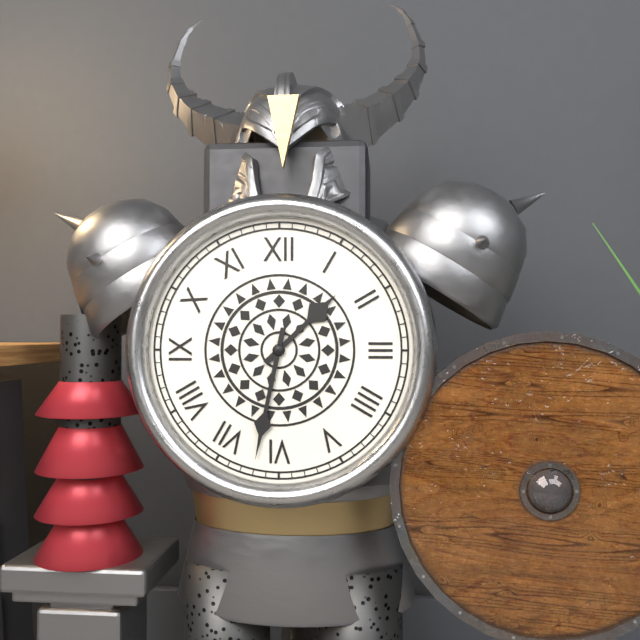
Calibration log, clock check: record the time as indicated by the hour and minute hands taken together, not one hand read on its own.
1:32
